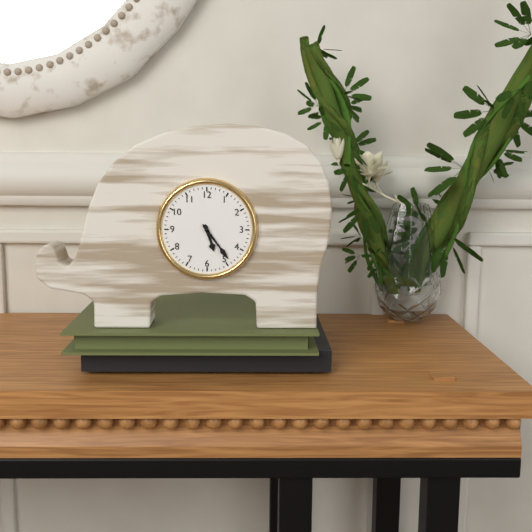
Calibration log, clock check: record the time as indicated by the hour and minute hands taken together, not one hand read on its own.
5:24
